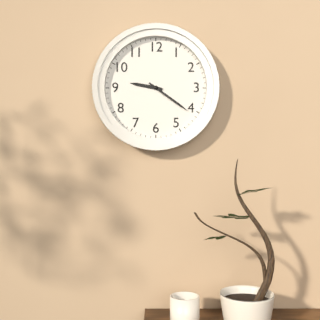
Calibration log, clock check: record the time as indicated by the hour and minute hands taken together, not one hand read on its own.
9:21
